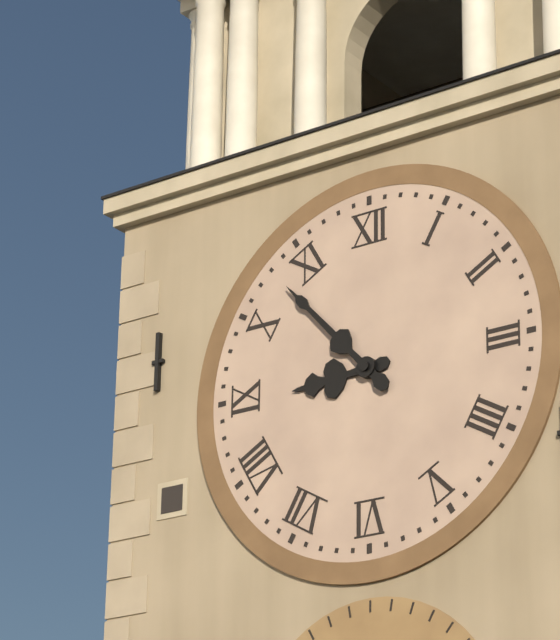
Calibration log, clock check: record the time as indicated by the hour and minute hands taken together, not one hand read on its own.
8:53
